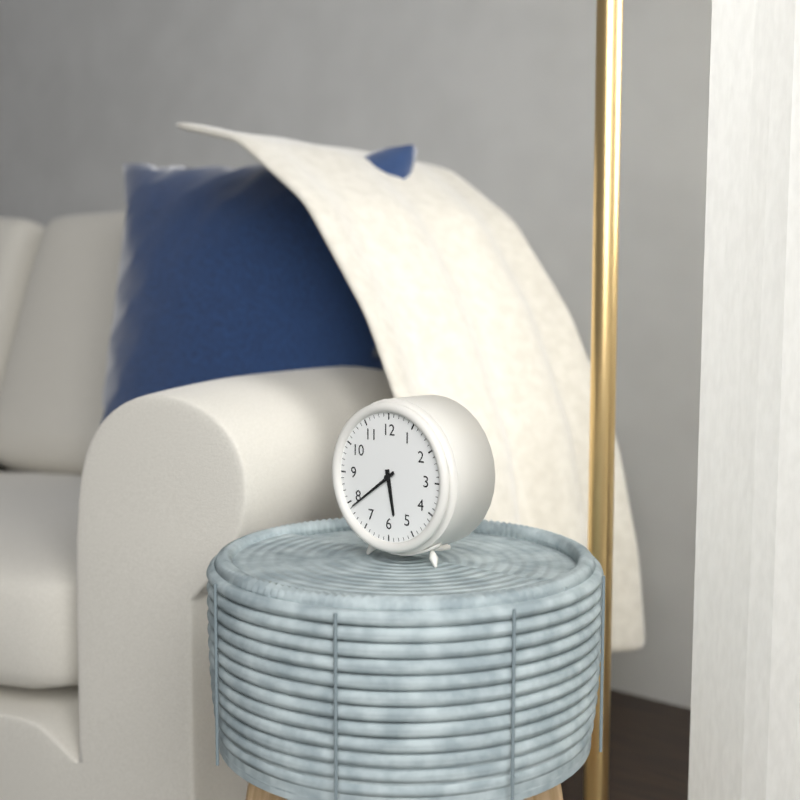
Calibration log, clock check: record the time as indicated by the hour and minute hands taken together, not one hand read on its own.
5:39
